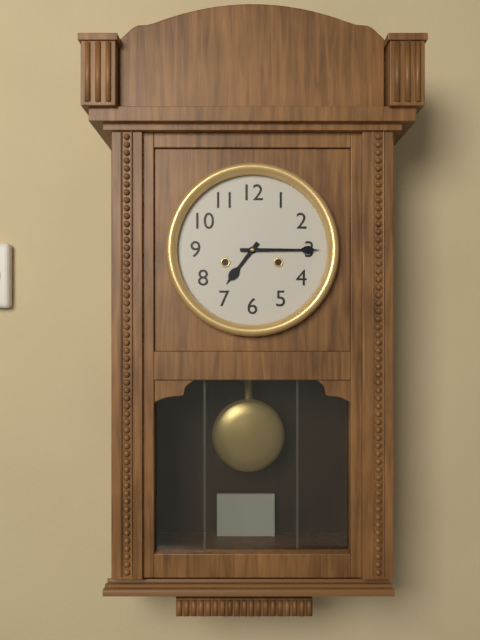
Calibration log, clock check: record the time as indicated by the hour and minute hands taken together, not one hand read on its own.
7:15
